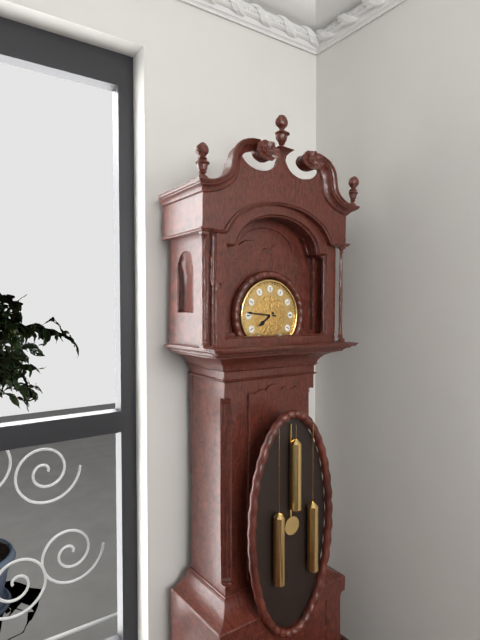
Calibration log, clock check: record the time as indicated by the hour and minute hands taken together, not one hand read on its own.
7:46
